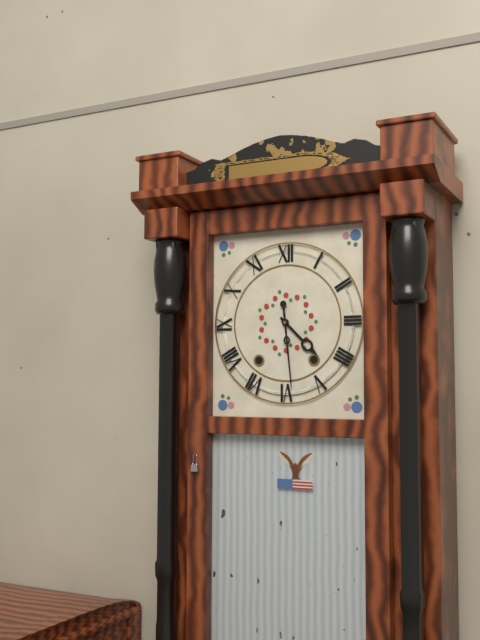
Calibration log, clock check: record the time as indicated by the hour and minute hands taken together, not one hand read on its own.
4:29
